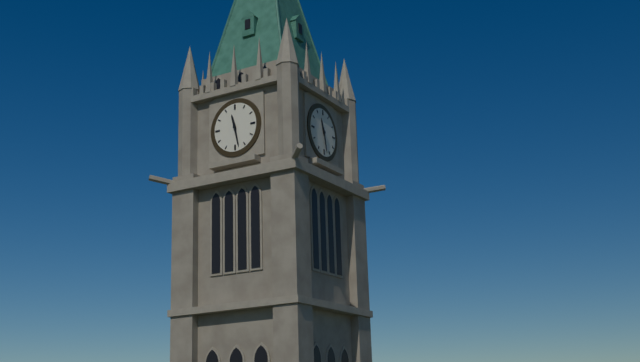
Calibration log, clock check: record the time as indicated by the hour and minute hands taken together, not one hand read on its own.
11:28
